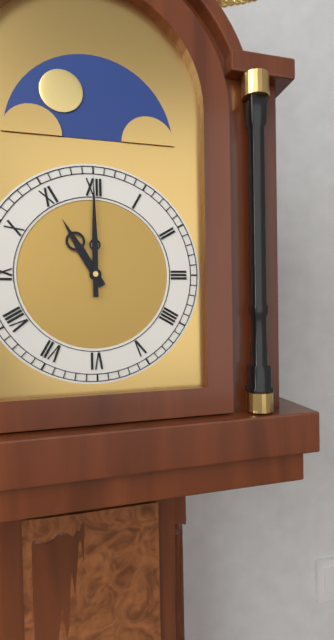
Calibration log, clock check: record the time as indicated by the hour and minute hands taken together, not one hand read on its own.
11:00
